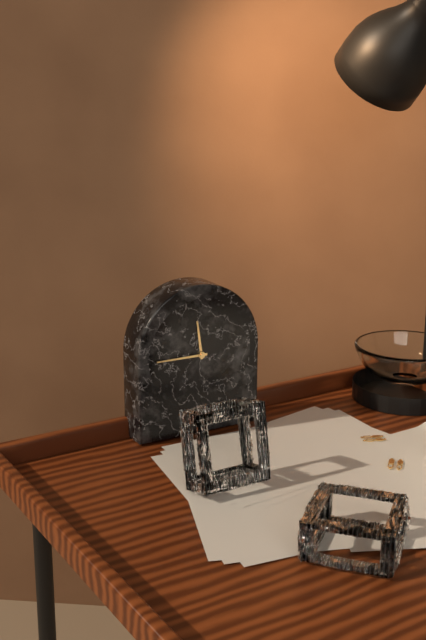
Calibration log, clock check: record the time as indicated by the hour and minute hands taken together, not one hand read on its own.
11:45
